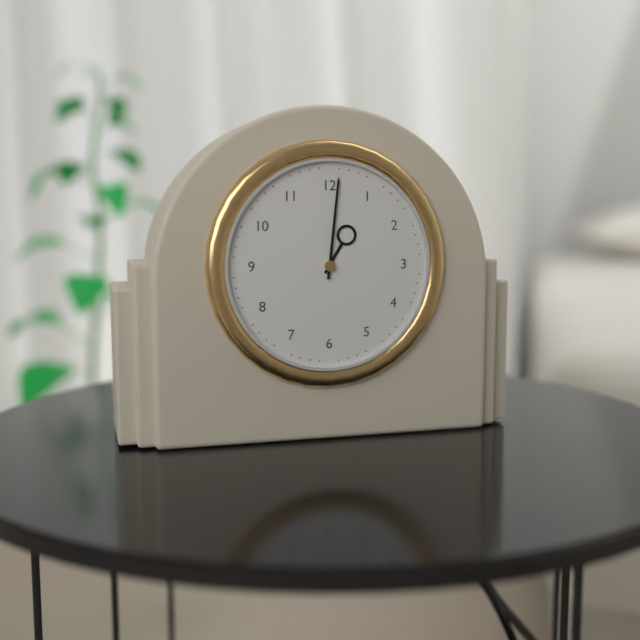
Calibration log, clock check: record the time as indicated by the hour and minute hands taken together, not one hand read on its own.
1:01
